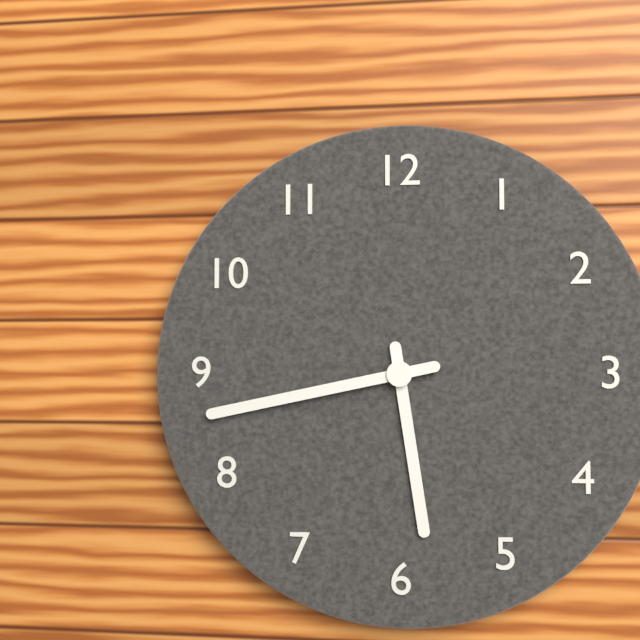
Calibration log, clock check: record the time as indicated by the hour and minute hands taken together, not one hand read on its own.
5:43
